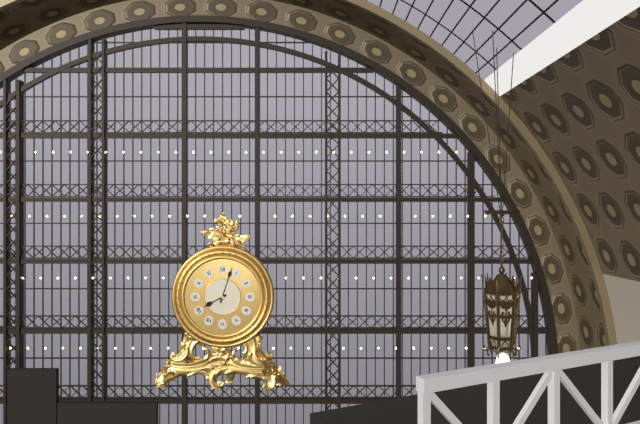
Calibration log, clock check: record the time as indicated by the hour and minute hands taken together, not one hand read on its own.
8:03
